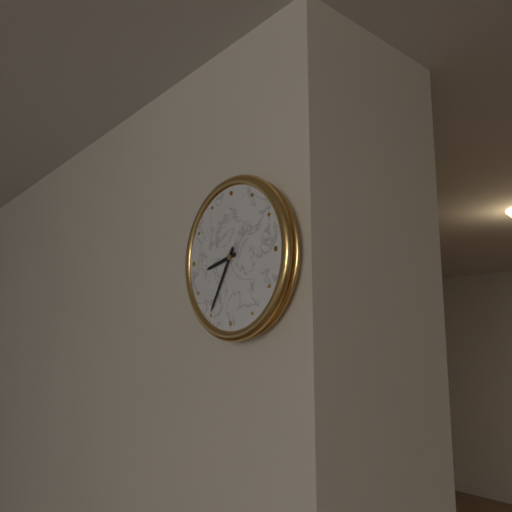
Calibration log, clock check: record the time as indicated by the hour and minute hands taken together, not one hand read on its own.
8:35
